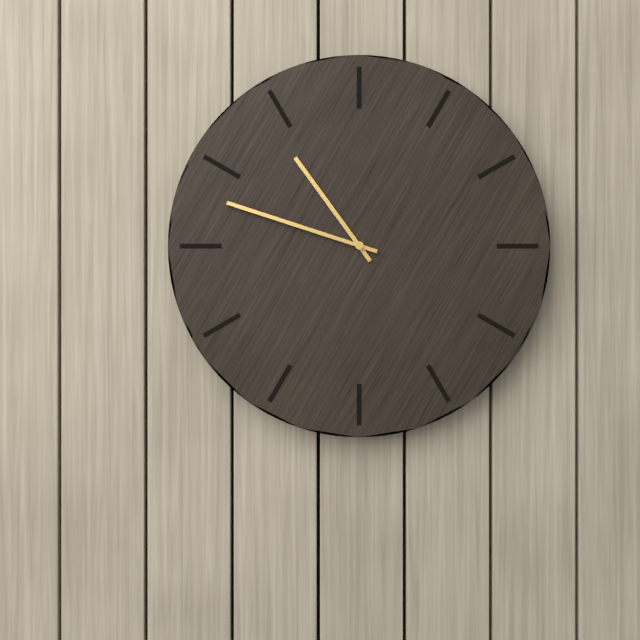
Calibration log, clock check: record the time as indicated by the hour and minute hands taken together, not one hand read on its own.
10:48
